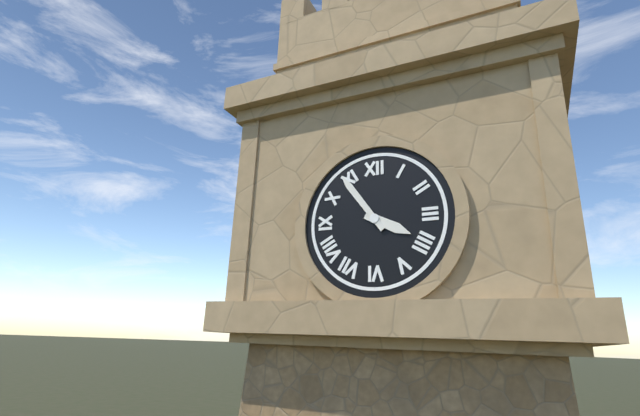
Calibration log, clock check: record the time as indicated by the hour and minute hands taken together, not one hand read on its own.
3:54
